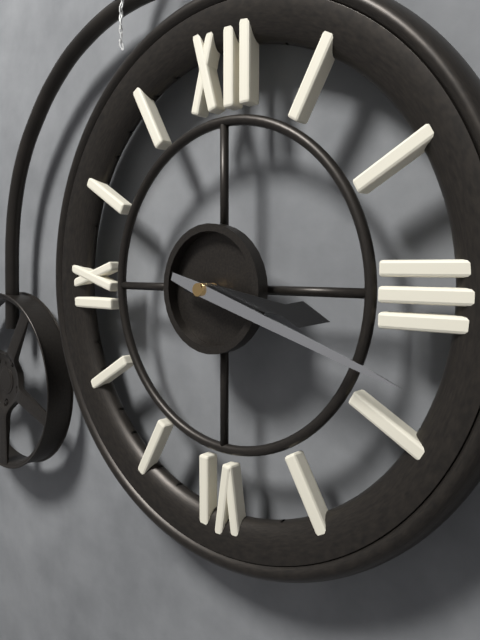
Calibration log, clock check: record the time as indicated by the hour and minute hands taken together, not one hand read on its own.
3:18
